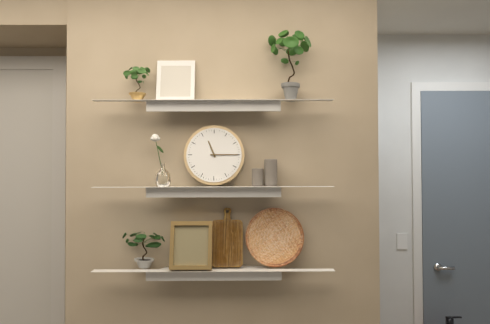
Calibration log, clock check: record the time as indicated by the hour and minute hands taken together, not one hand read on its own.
11:15
